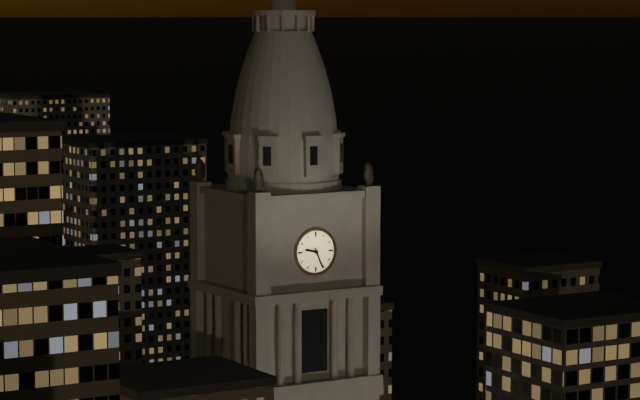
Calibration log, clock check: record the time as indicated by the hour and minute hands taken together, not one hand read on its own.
9:26
